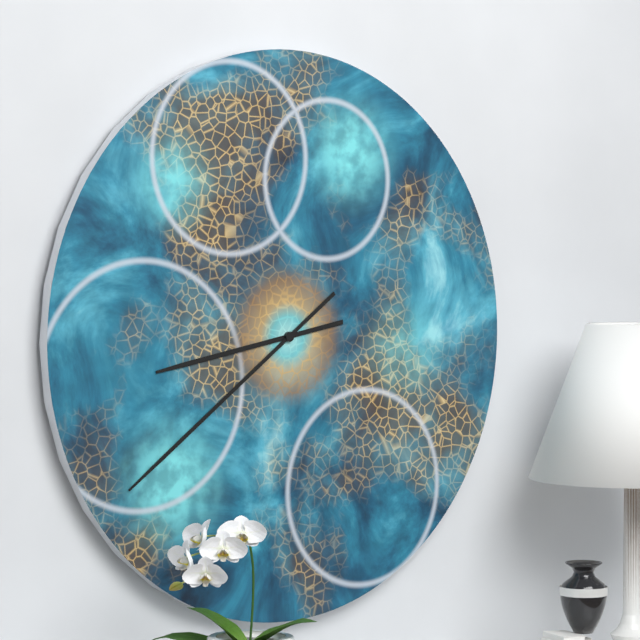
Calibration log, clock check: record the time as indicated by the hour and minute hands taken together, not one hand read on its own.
8:39
